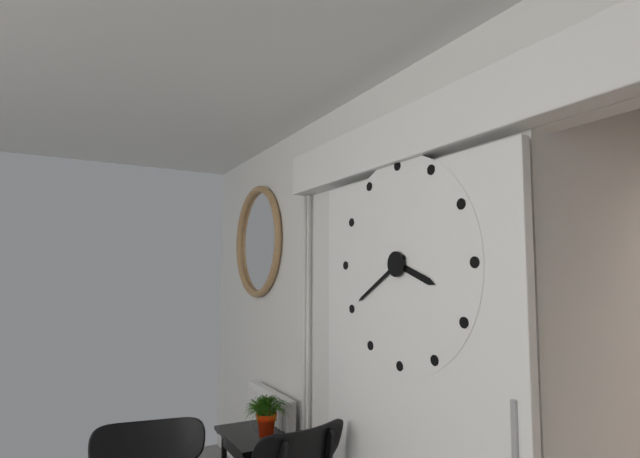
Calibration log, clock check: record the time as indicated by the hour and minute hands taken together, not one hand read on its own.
3:40
